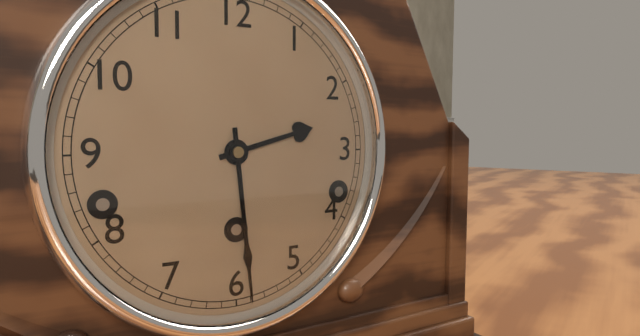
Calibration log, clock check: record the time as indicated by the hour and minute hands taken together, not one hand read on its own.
2:29
